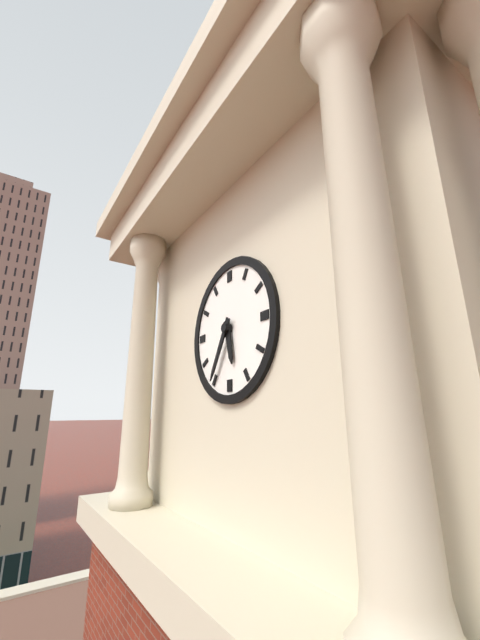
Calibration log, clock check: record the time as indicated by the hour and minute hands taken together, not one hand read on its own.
5:35
